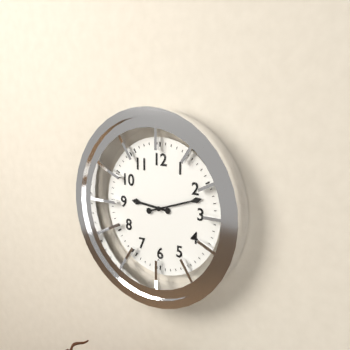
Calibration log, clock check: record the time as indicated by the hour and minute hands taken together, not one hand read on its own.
9:12
